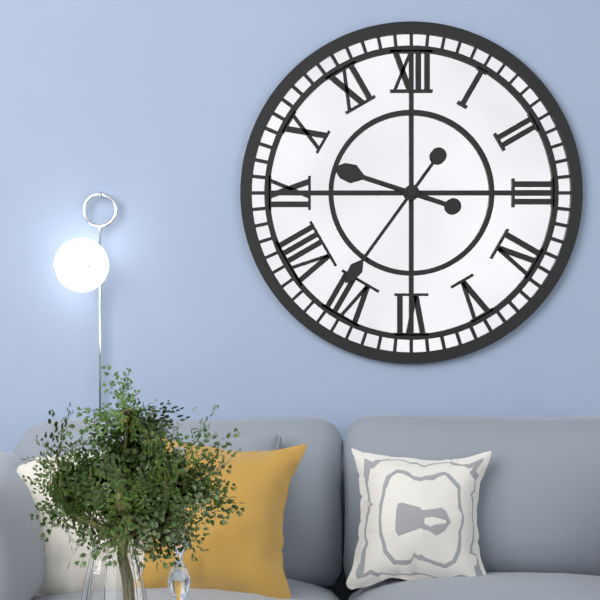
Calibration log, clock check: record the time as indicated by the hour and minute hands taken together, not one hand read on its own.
9:36
